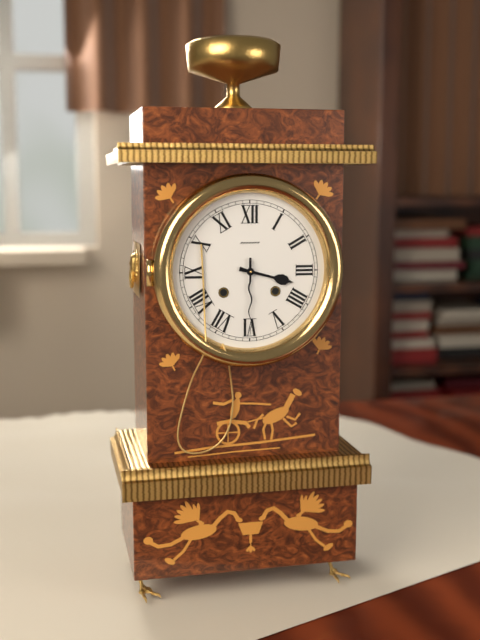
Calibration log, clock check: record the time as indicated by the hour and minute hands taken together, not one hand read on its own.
3:30
